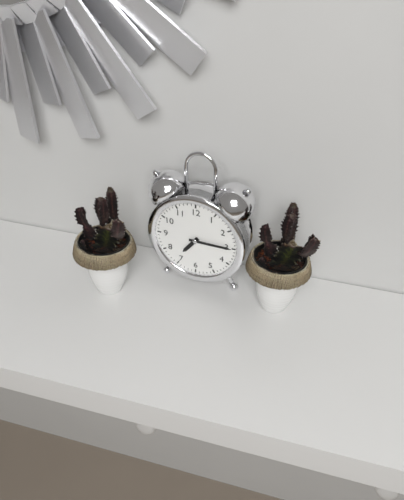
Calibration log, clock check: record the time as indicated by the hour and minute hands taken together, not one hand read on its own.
7:15
